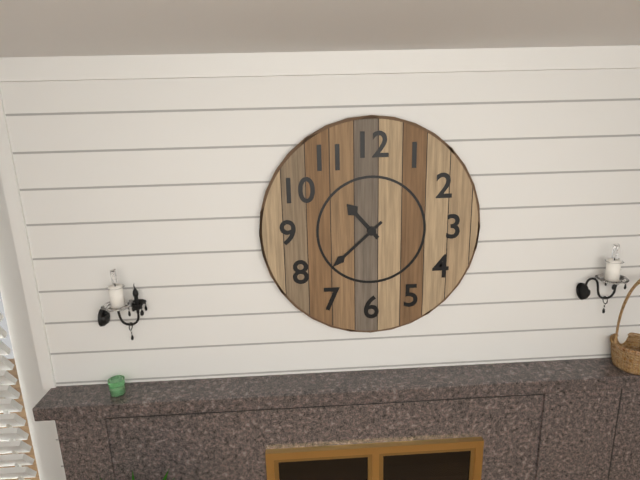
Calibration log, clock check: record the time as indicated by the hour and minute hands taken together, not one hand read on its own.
10:38
